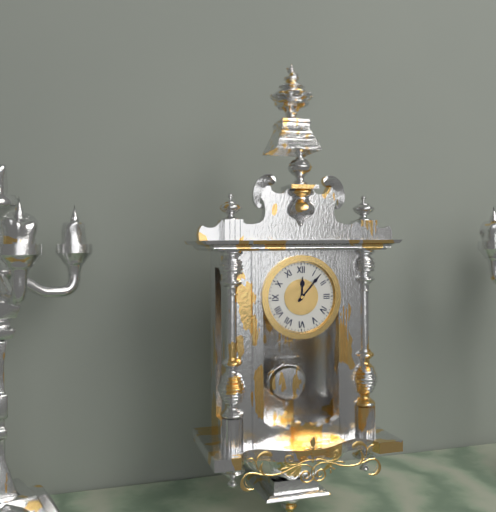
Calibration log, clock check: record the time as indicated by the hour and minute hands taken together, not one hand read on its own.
12:07
